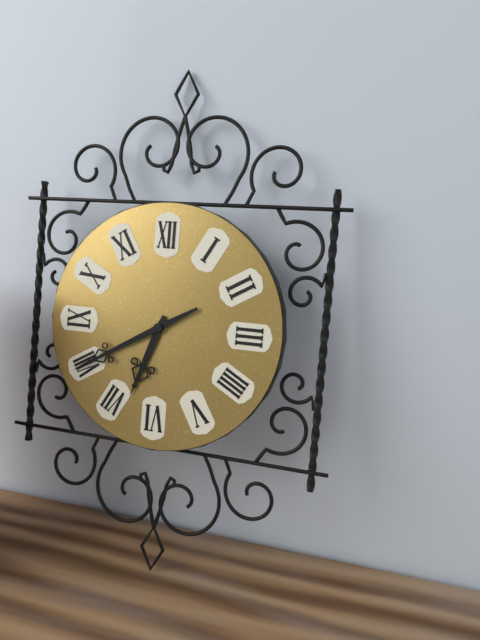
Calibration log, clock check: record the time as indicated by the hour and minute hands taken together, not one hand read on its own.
6:40
